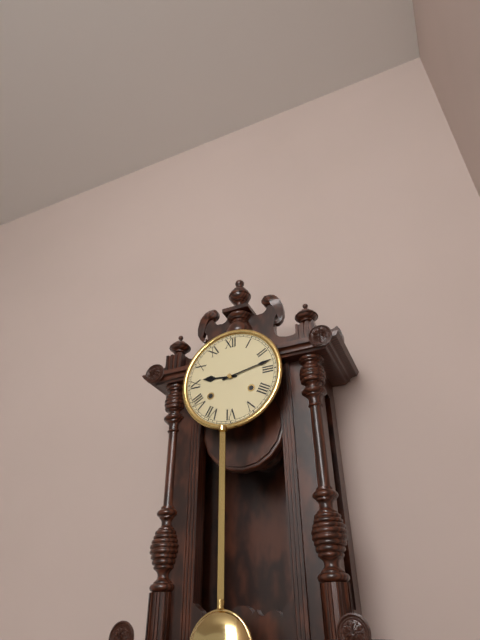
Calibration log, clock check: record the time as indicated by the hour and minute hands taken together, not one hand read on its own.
9:13
